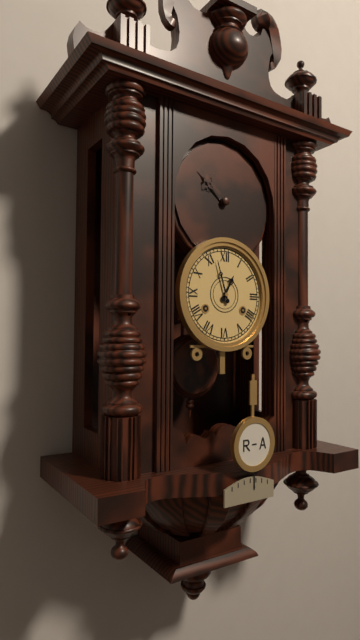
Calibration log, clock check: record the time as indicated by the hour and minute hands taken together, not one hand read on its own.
12:57
